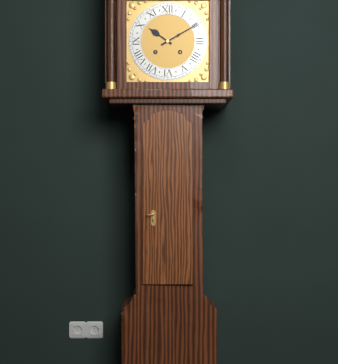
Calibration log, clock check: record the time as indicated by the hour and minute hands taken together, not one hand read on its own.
10:10
